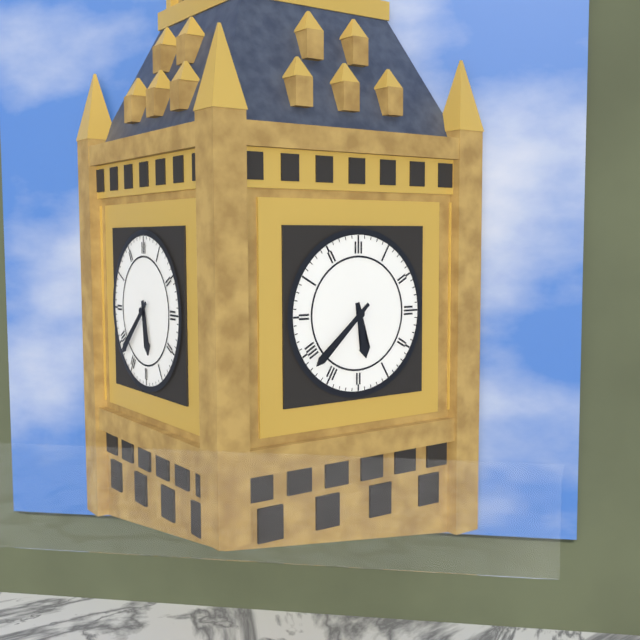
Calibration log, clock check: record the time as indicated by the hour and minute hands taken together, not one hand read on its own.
5:38
